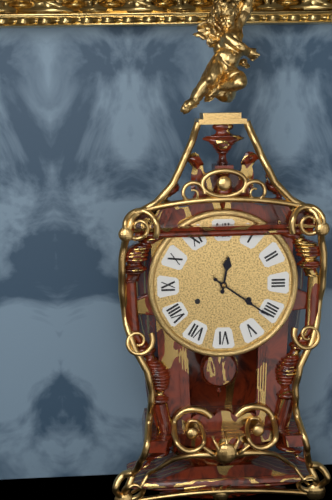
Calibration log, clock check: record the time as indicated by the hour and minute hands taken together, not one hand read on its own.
12:21
